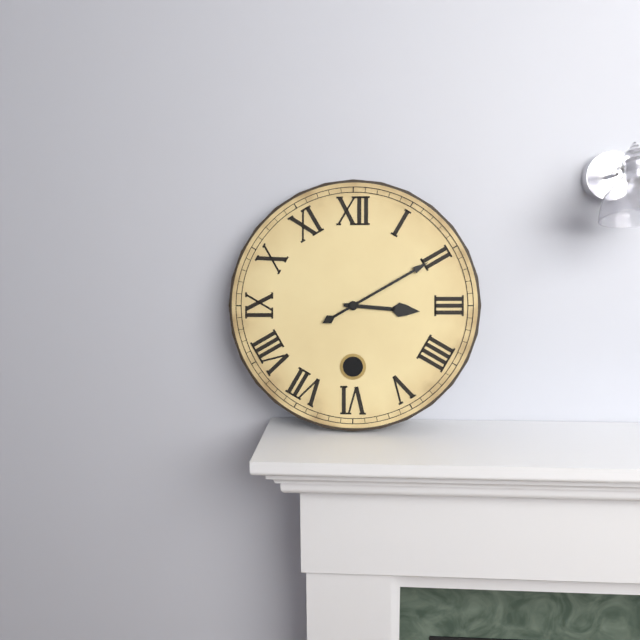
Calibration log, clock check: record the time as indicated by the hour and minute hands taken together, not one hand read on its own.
3:10
